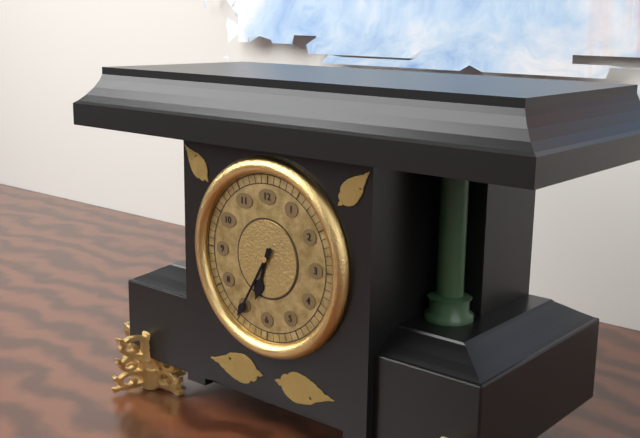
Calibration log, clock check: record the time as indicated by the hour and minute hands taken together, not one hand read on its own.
6:35
